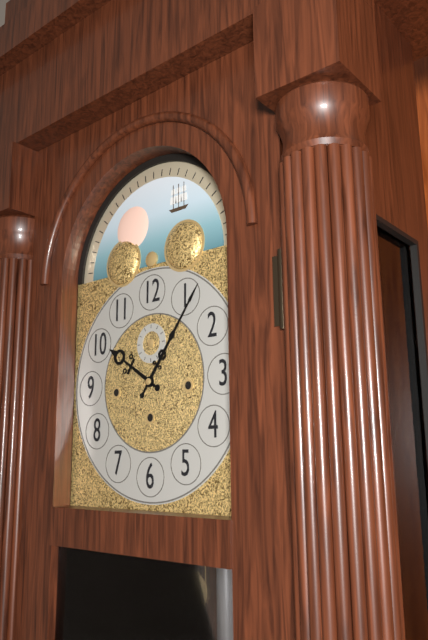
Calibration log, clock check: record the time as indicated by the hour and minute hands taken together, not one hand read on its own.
10:06
